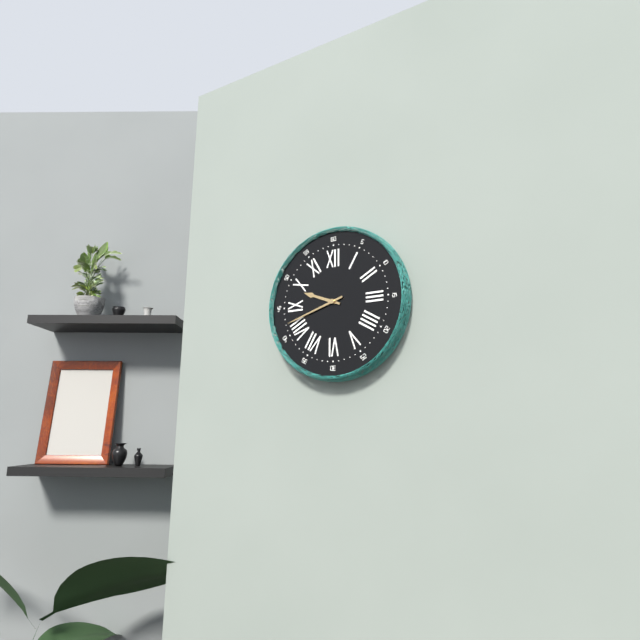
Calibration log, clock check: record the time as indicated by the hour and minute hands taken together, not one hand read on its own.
9:42
